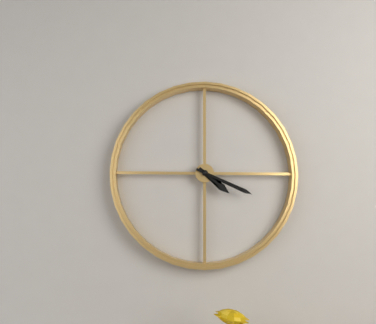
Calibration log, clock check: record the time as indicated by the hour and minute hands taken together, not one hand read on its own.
4:19
